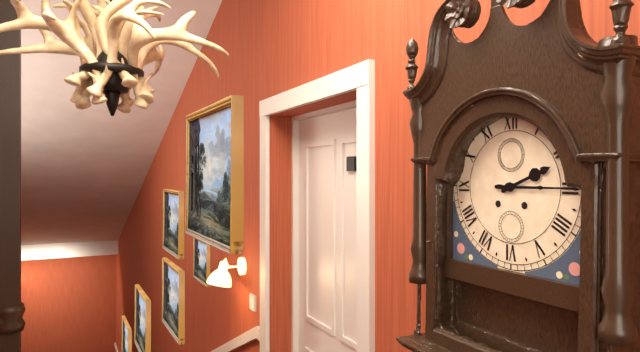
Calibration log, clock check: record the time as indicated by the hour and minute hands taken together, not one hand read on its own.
2:15
